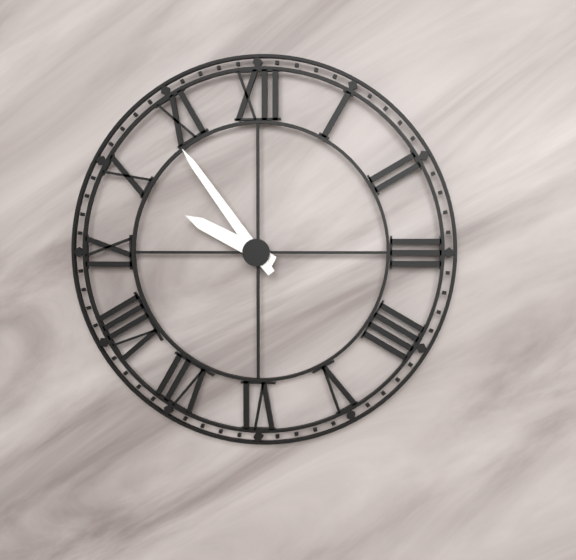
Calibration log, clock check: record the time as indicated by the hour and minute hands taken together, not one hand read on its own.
9:54
